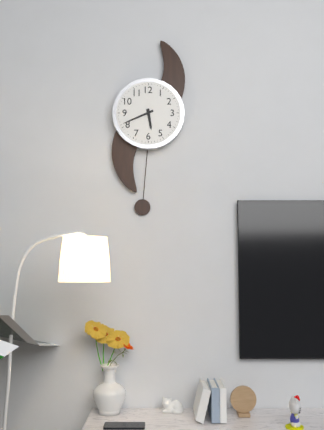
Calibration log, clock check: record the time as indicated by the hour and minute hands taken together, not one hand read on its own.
5:41
